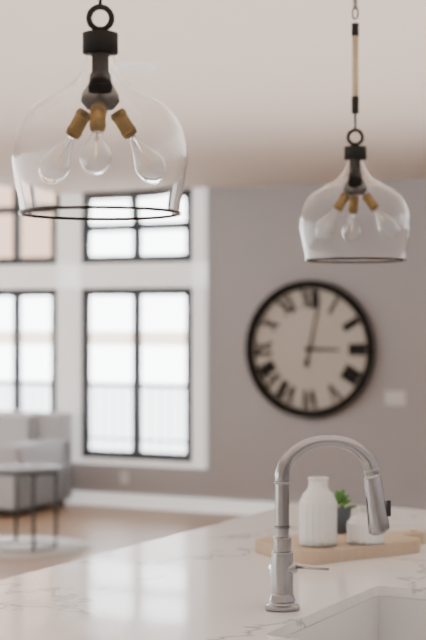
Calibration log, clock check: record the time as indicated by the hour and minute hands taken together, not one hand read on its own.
3:02
